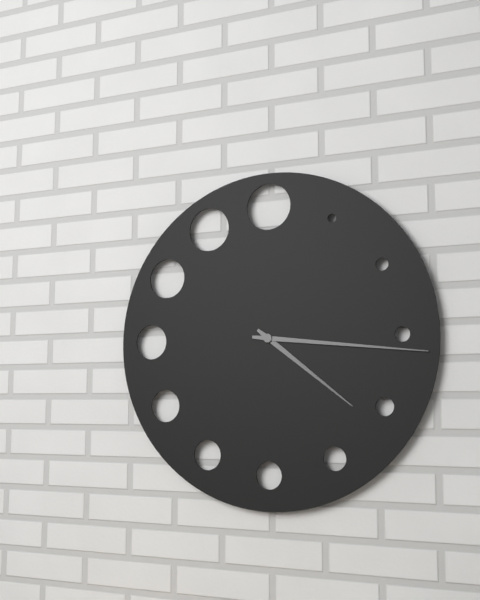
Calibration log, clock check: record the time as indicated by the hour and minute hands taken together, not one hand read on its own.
4:16
